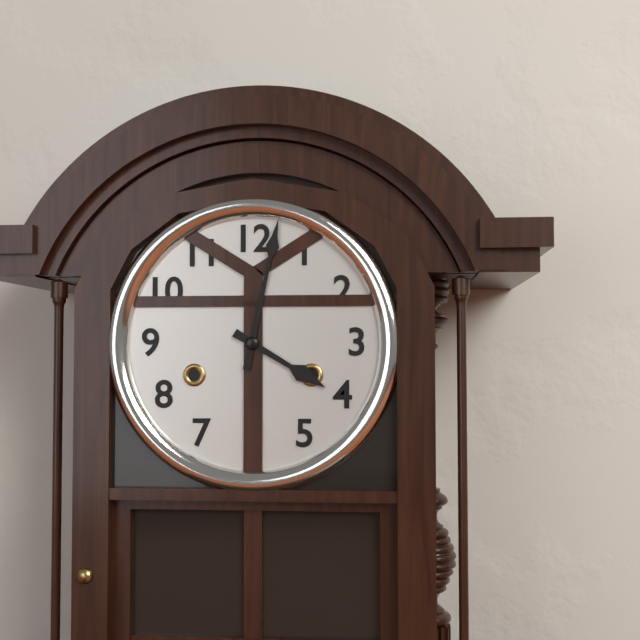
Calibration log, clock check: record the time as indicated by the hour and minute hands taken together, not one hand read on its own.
4:02
